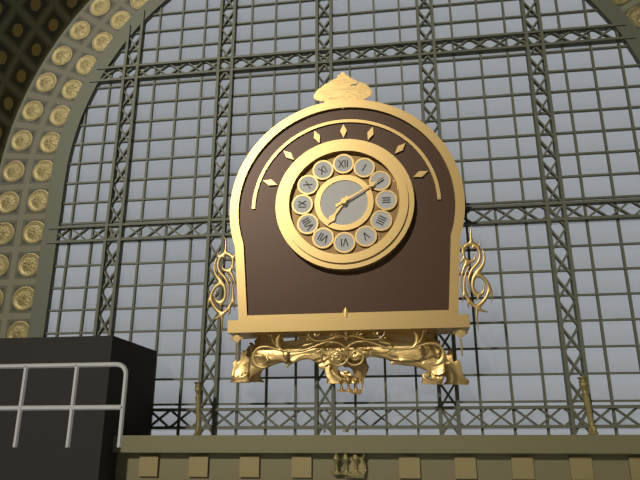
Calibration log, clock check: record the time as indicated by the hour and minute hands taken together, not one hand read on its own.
7:10
